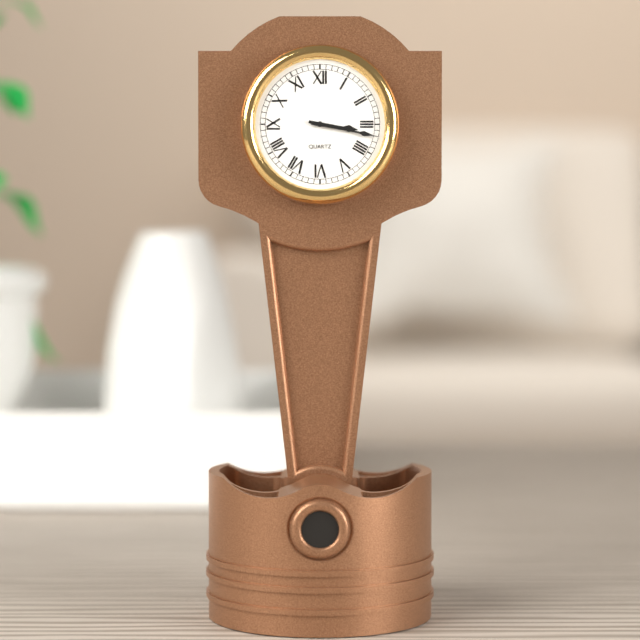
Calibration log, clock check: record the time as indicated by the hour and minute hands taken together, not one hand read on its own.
3:17
